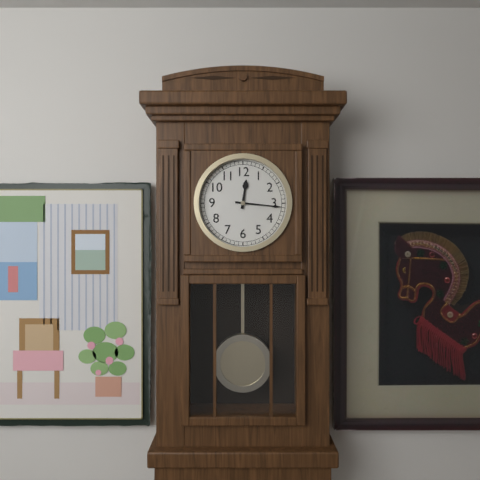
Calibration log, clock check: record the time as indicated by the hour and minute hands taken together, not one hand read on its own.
12:16
